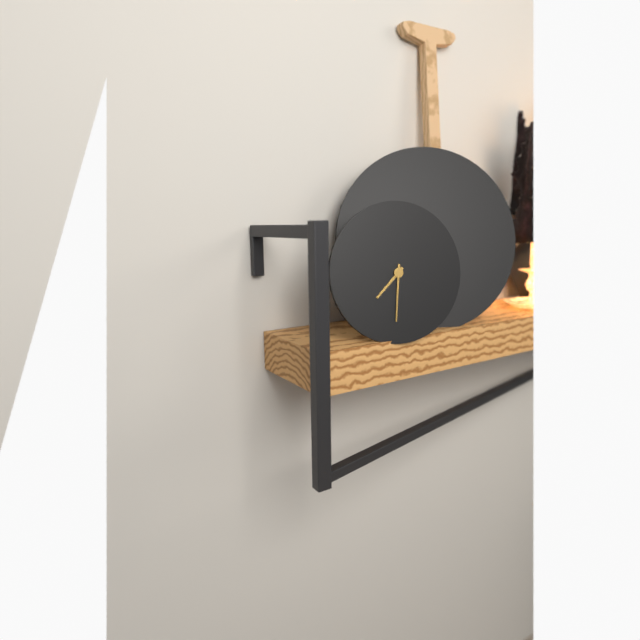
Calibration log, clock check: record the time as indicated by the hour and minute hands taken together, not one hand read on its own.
7:31
